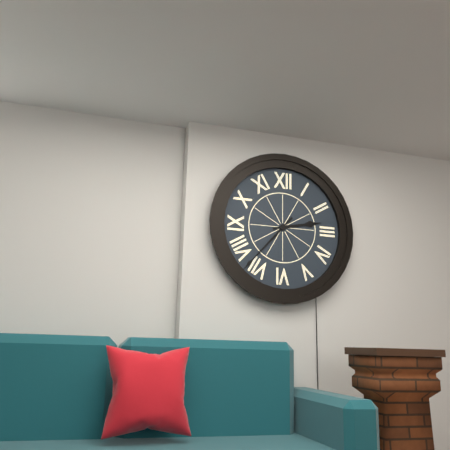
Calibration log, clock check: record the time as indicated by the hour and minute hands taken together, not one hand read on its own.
2:37
